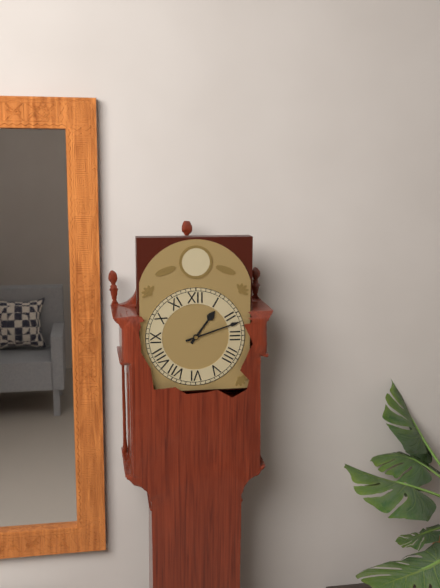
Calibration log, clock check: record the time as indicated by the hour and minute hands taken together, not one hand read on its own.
1:12
